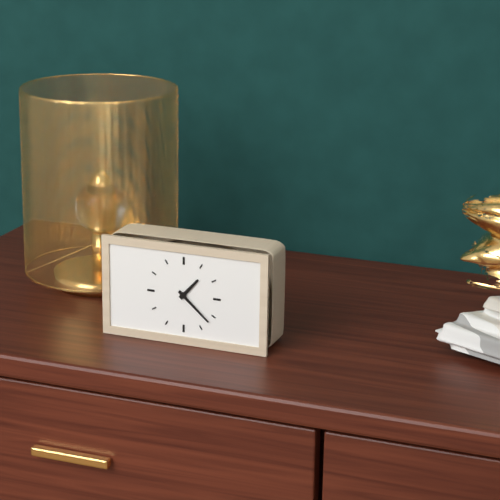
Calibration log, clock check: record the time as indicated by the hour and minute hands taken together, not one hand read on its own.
1:22
